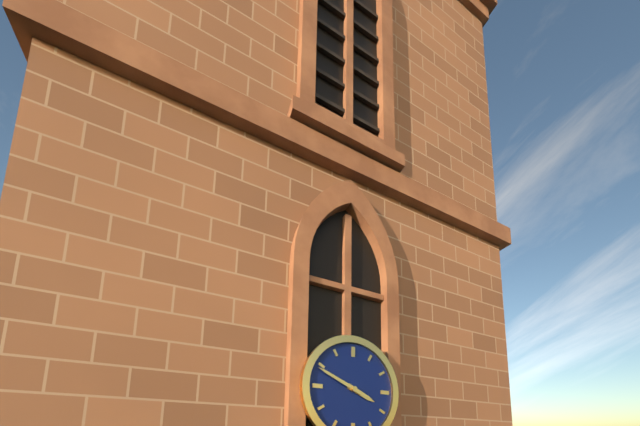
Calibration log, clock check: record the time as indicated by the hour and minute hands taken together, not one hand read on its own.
3:49
